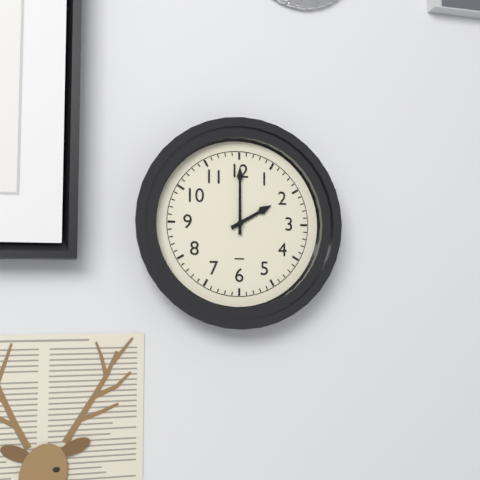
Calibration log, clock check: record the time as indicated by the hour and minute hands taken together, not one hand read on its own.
2:00
